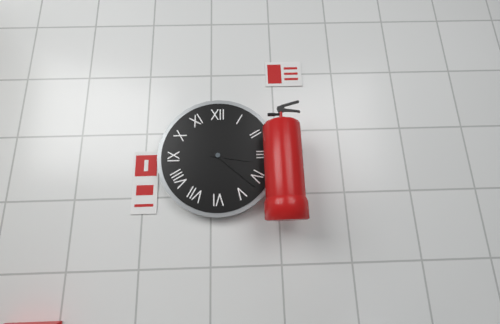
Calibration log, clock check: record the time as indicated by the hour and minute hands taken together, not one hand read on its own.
3:22
